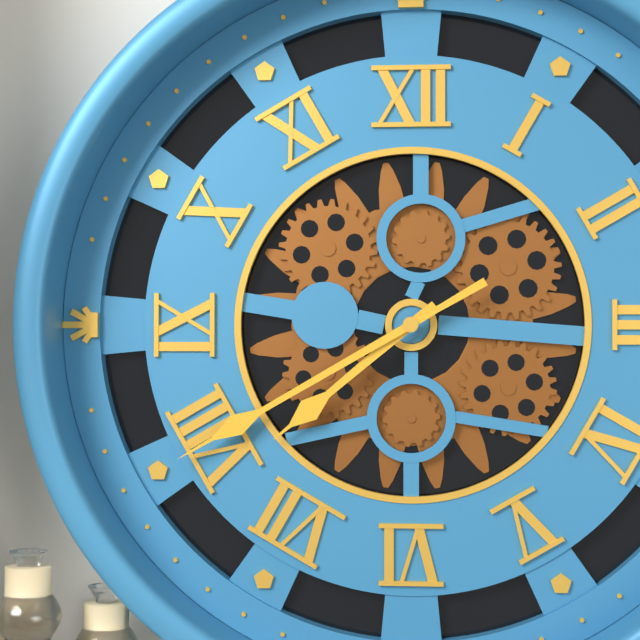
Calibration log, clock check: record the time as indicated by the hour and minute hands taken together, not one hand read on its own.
7:40
